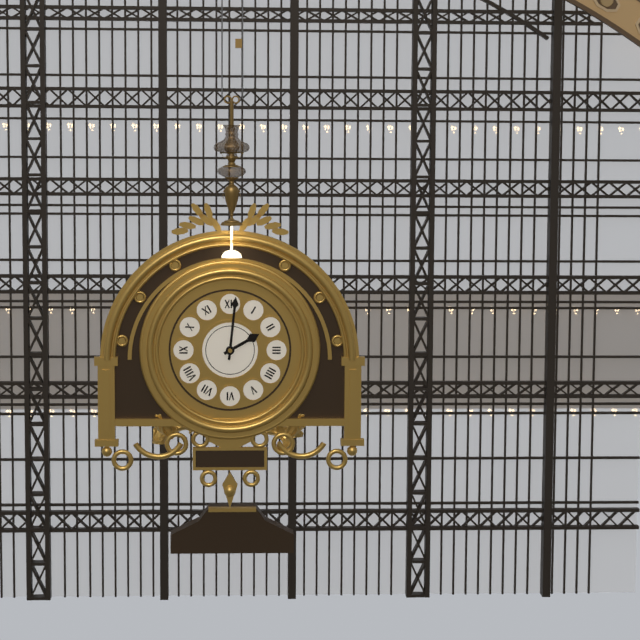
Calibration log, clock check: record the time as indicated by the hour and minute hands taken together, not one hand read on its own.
2:01
